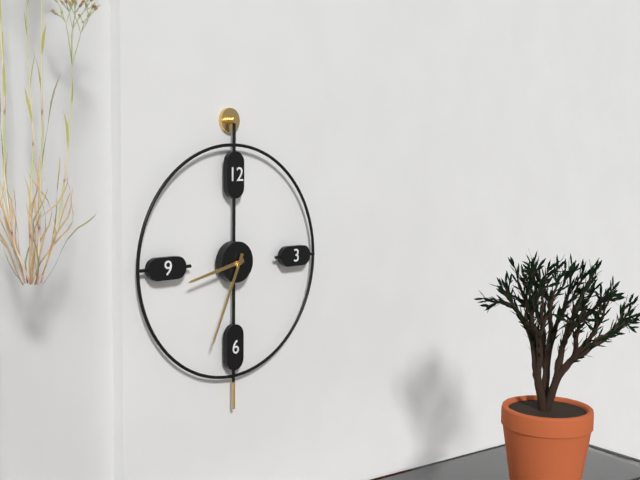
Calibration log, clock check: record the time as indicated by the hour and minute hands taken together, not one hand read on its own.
8:34
